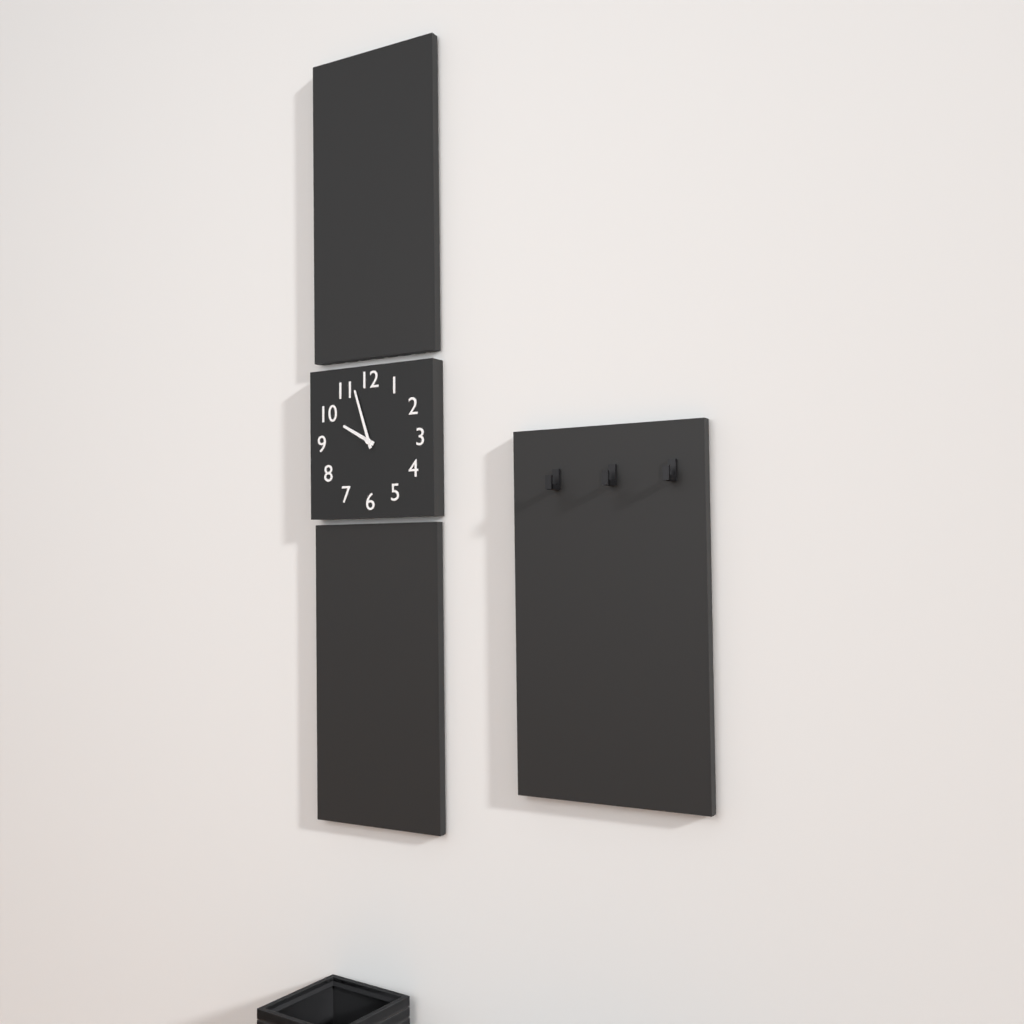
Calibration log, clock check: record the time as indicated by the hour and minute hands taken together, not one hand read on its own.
9:57
